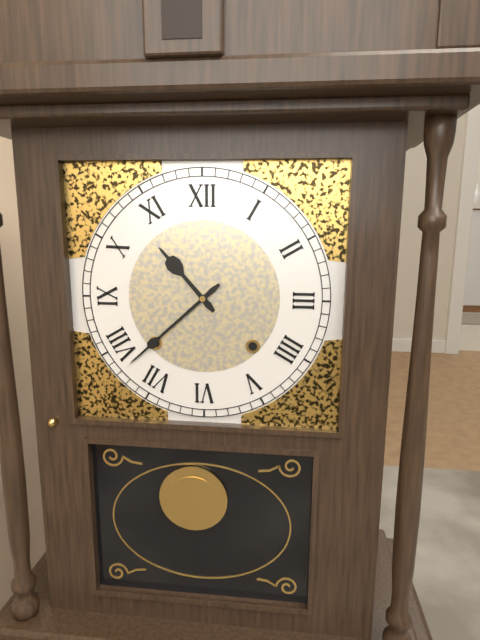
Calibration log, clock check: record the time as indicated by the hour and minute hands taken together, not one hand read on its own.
10:38
